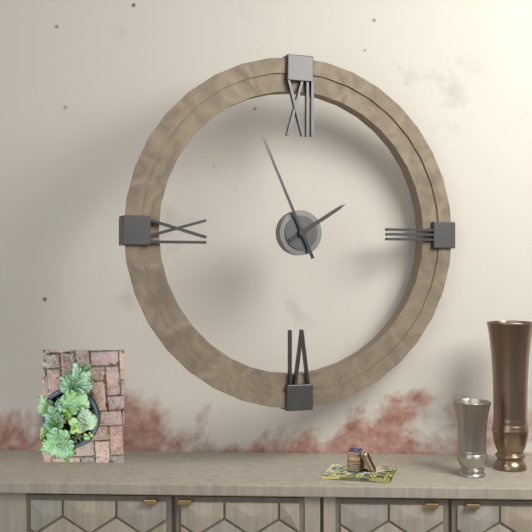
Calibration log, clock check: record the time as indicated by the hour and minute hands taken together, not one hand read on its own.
1:56
